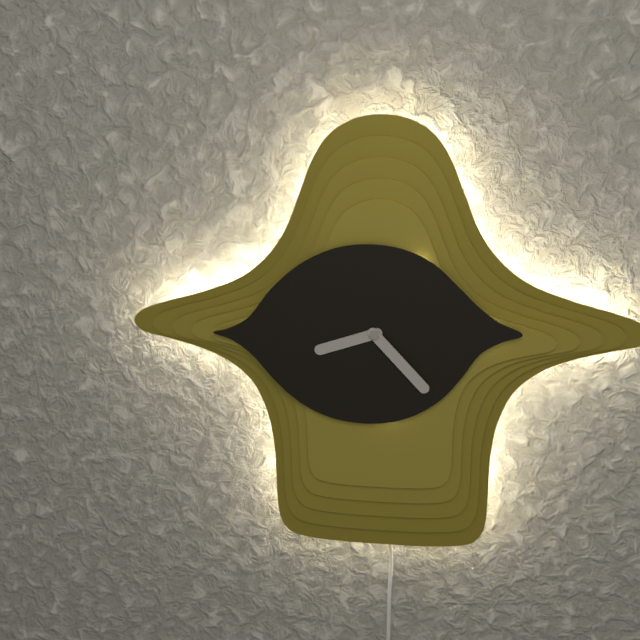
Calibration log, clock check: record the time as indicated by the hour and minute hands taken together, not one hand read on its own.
8:23
